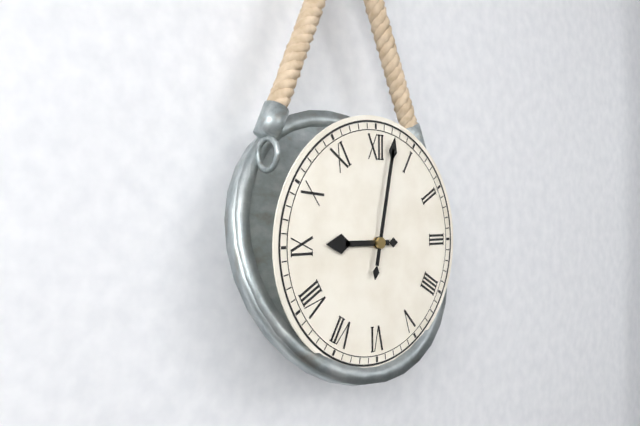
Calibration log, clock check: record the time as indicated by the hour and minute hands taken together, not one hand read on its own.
9:02
